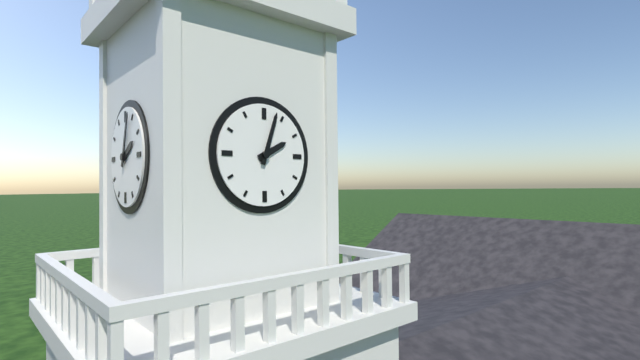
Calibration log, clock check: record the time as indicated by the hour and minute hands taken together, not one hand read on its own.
2:03
